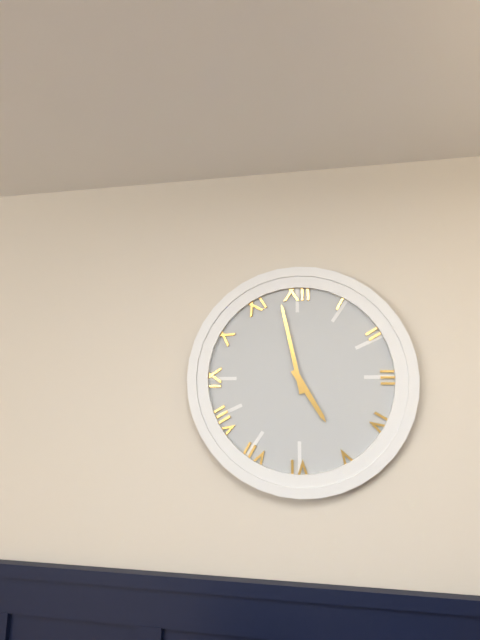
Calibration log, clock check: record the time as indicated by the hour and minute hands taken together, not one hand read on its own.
4:58
